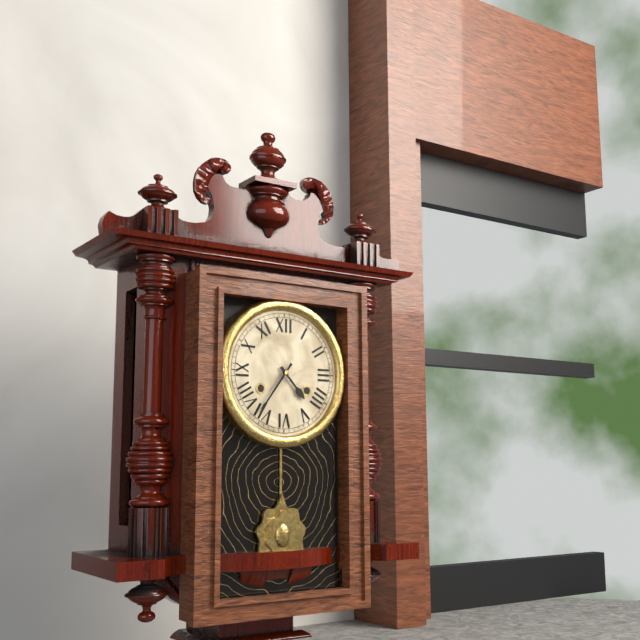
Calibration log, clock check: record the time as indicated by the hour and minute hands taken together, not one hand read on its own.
4:36
